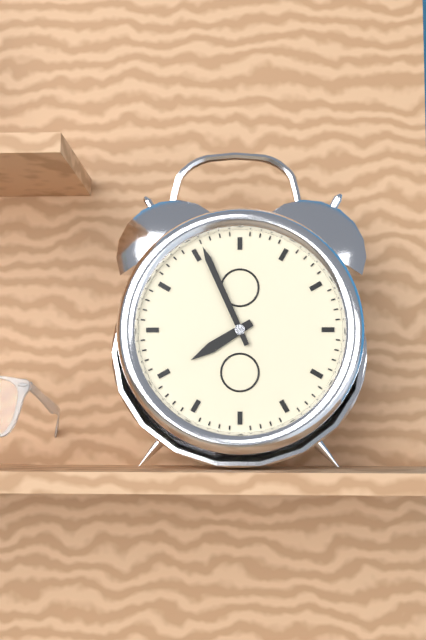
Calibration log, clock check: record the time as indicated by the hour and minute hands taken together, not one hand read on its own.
7:56
